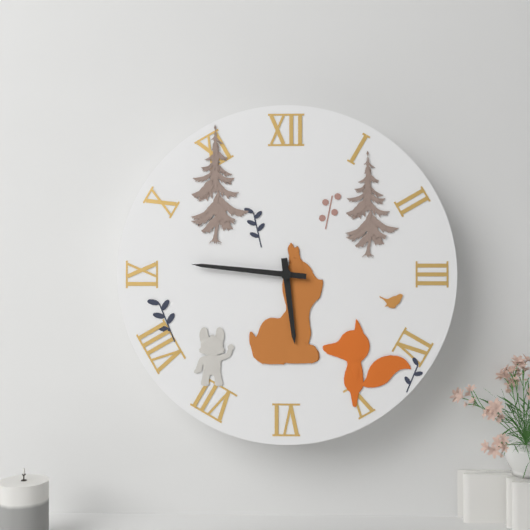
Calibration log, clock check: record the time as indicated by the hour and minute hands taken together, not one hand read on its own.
5:46
